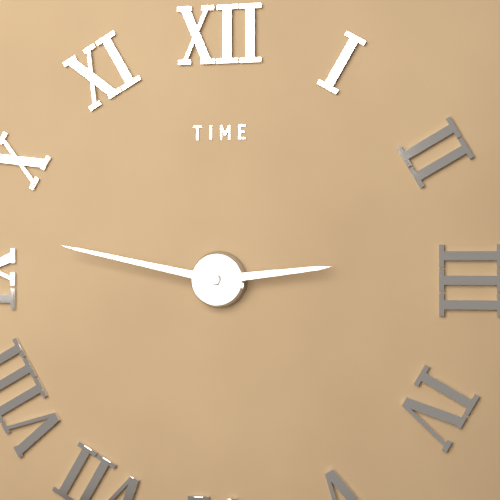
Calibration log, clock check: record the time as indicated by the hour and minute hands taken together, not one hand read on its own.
2:47
